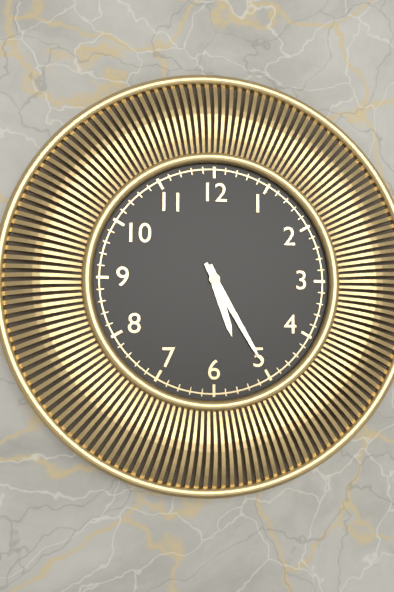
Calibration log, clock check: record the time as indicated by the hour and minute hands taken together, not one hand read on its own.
5:25
